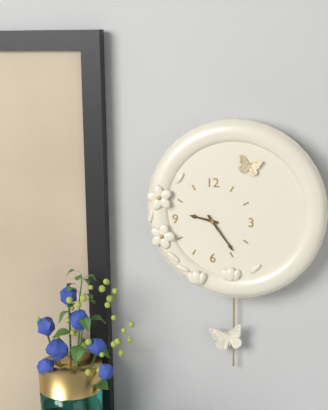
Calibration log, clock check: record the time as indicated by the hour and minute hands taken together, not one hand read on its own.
9:24
